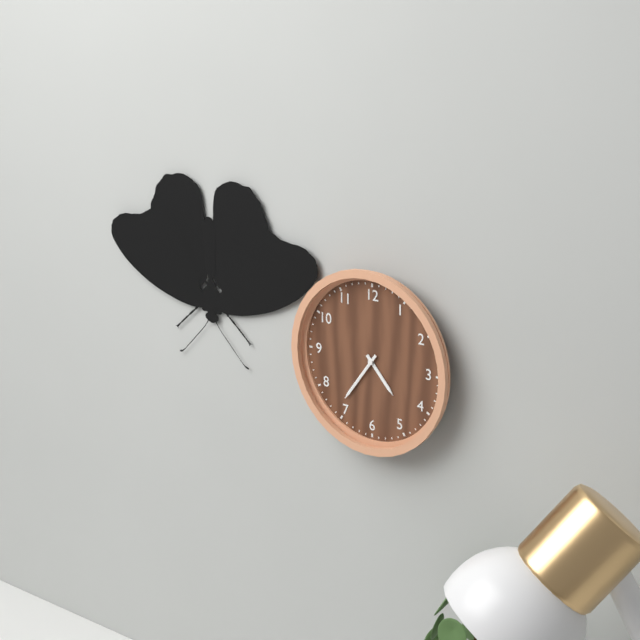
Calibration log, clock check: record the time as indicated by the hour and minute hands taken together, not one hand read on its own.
4:36
